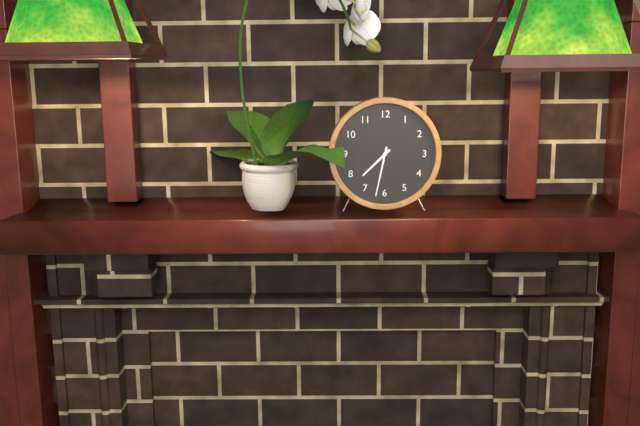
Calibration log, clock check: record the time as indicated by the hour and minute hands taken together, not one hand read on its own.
7:32
